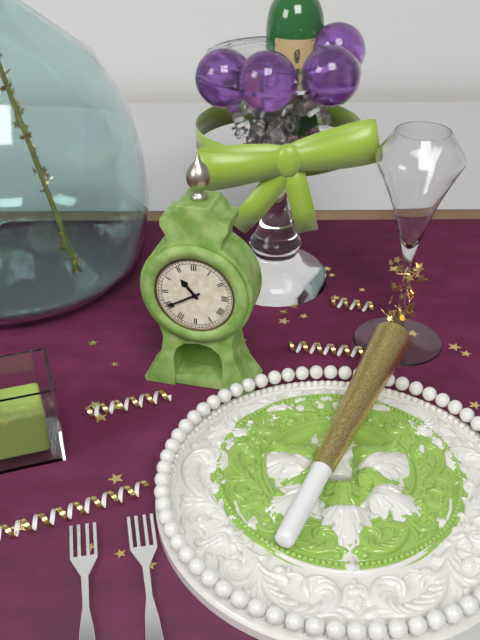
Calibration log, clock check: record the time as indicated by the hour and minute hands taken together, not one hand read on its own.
10:40
